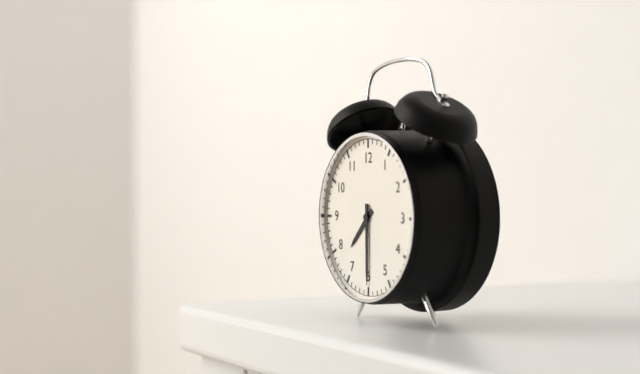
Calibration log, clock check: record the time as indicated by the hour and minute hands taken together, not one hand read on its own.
7:30
